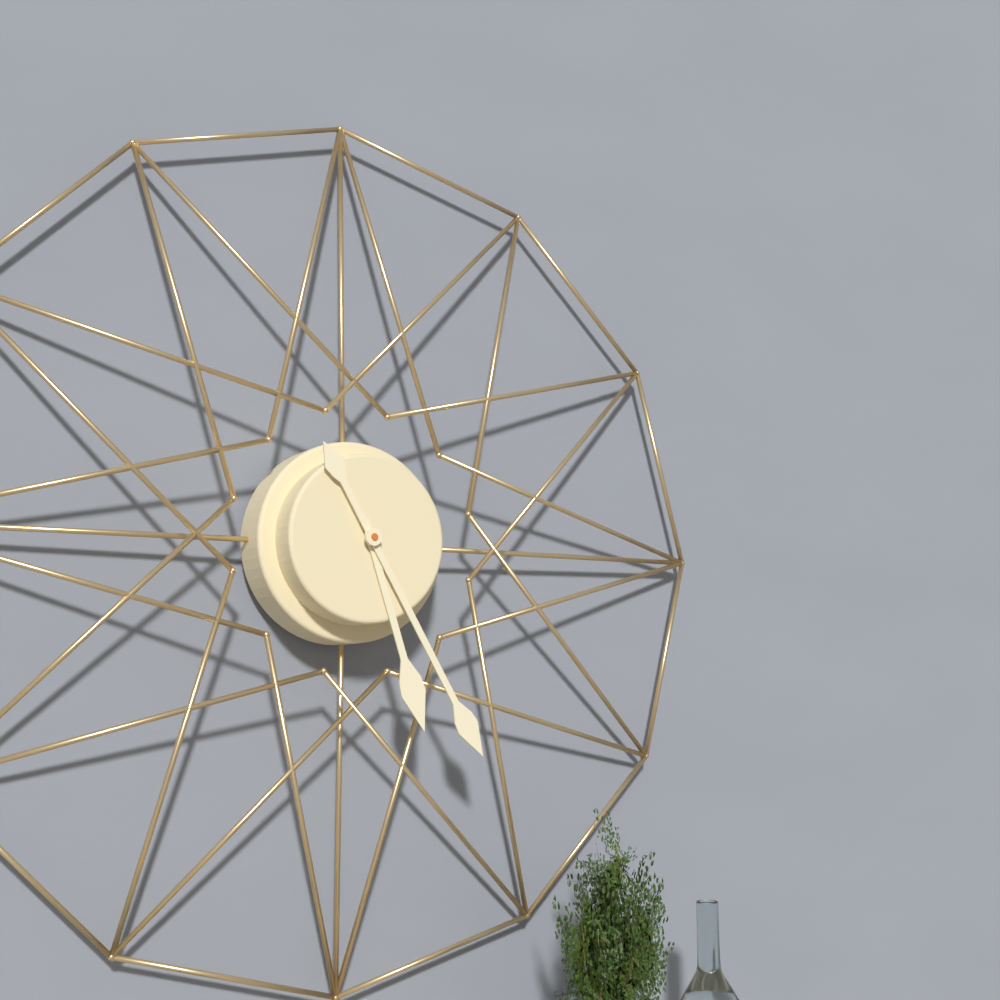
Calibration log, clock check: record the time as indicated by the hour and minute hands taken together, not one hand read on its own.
5:25
